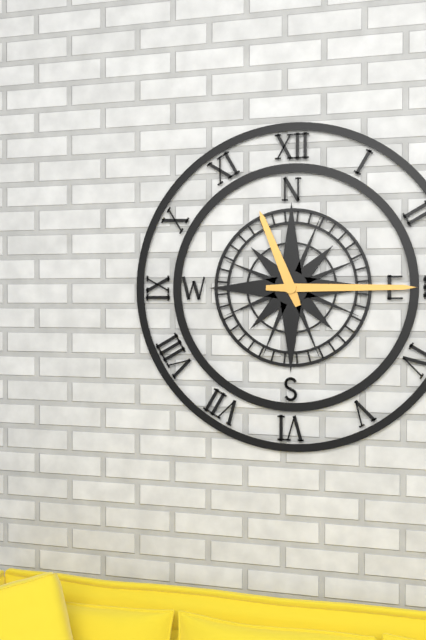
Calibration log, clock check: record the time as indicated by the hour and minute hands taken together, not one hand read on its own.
11:15
